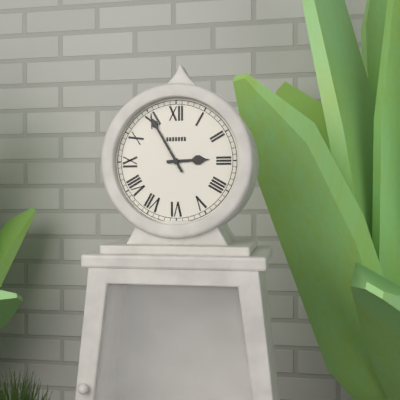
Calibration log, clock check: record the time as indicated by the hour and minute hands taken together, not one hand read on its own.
2:55
